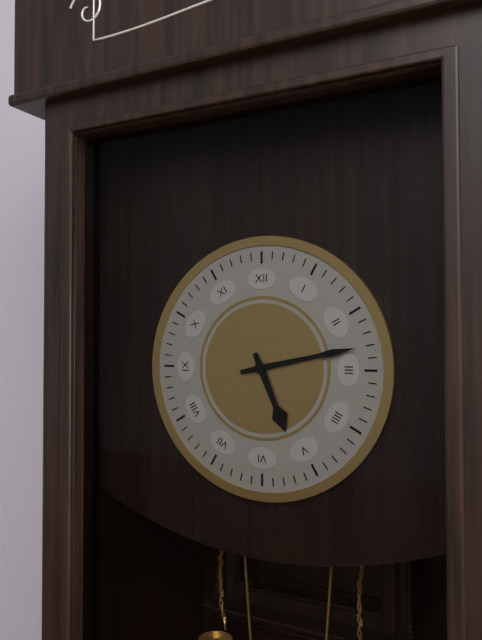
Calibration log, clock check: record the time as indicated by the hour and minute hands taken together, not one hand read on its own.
5:13
